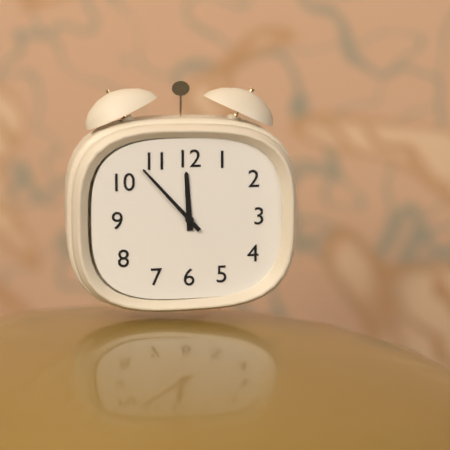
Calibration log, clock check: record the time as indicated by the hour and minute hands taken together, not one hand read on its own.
11:53
